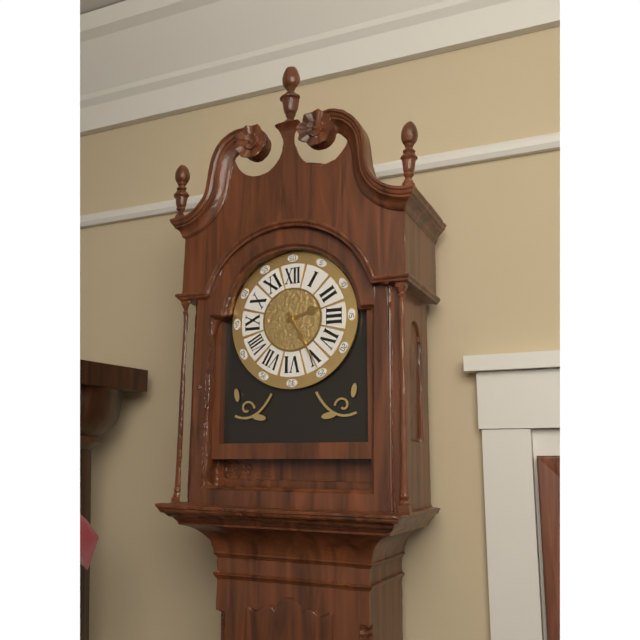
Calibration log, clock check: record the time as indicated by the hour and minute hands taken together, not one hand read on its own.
2:25
